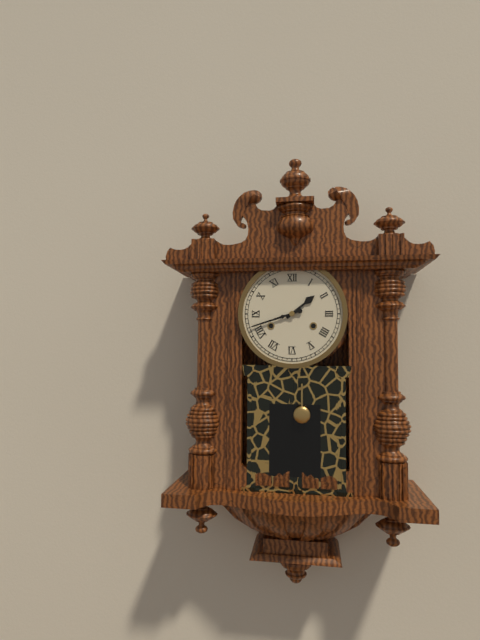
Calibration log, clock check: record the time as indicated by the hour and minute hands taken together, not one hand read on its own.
1:42
